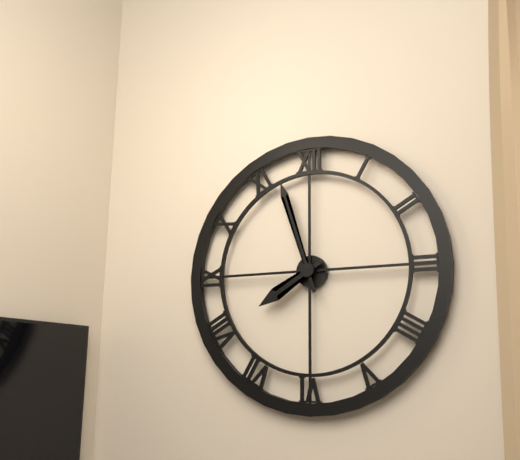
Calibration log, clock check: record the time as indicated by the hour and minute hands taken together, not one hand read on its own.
7:57
